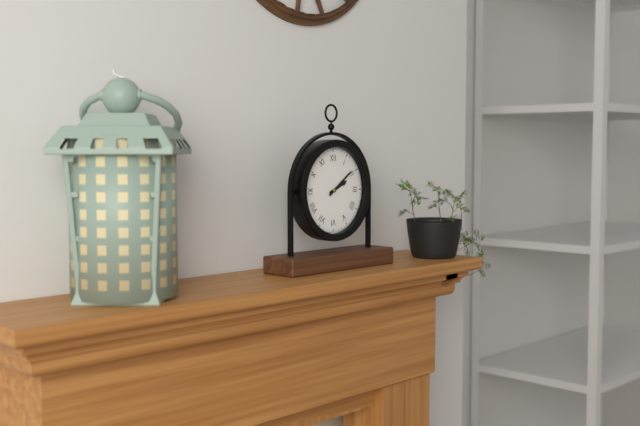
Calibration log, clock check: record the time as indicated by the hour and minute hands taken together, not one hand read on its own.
2:09
